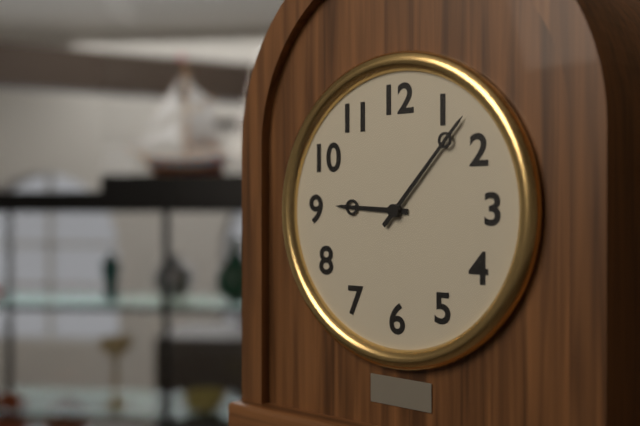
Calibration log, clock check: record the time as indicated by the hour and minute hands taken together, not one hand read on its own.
9:07
